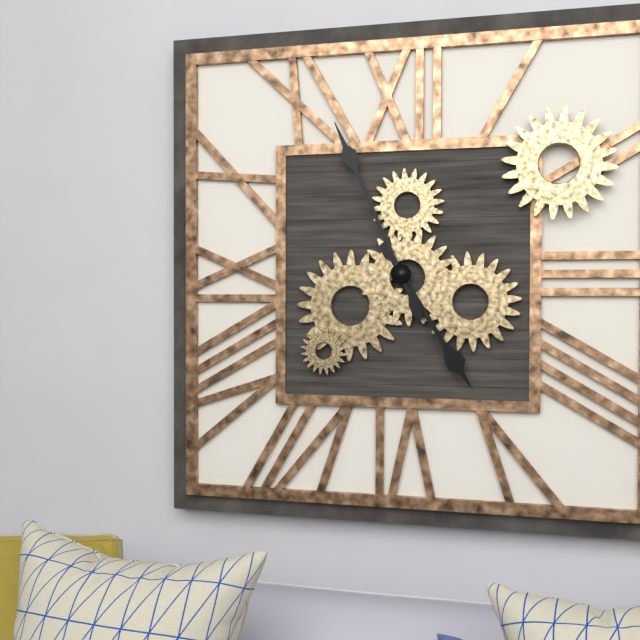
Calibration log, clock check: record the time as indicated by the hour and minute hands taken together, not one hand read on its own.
4:56
